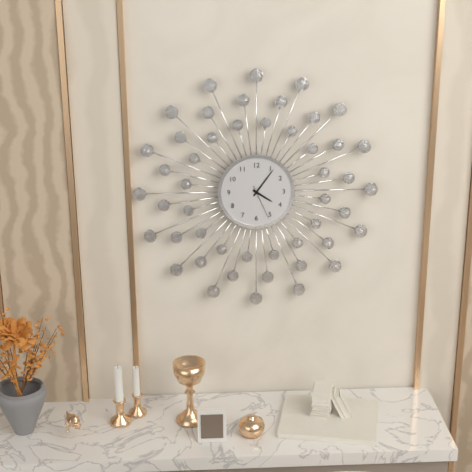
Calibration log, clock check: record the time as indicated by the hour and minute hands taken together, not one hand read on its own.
4:06
